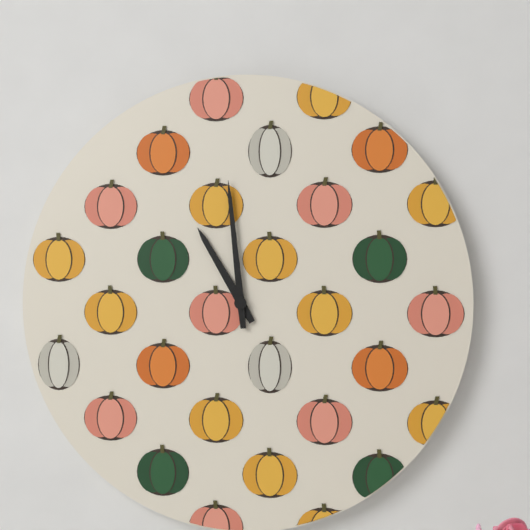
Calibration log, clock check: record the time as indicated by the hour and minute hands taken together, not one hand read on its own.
10:59
